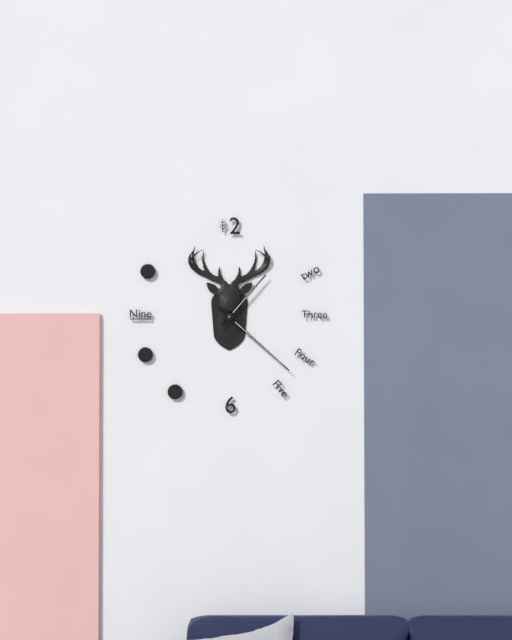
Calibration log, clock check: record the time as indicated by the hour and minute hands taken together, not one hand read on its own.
1:22
